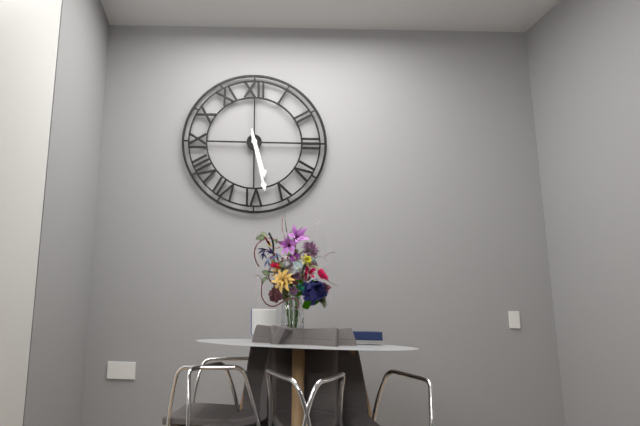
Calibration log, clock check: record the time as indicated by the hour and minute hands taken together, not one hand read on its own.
5:28
